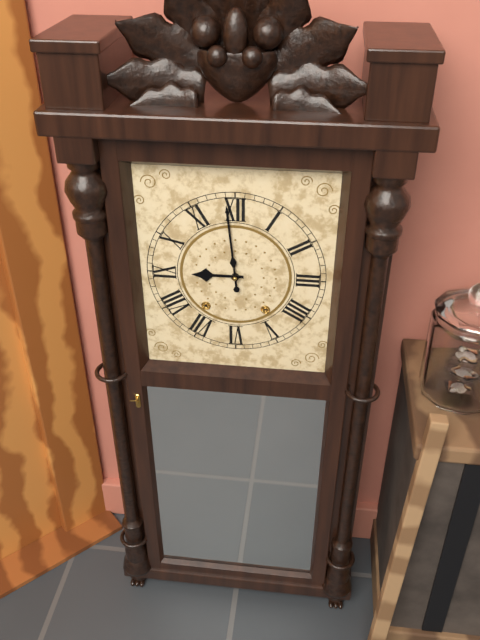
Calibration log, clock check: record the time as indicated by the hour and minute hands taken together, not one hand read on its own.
8:59
